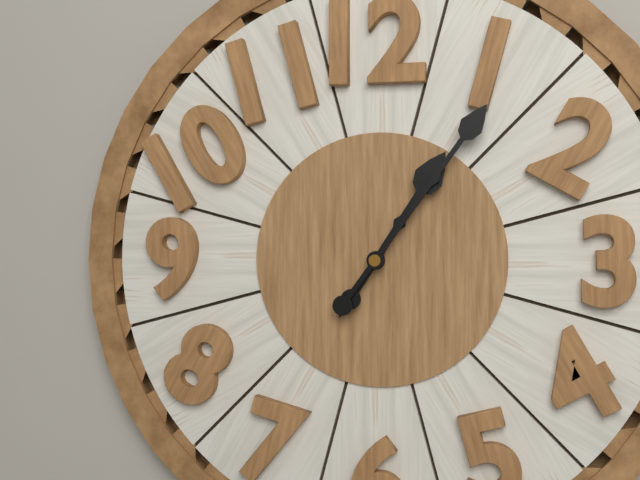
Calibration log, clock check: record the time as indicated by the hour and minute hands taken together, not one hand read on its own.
1:06
